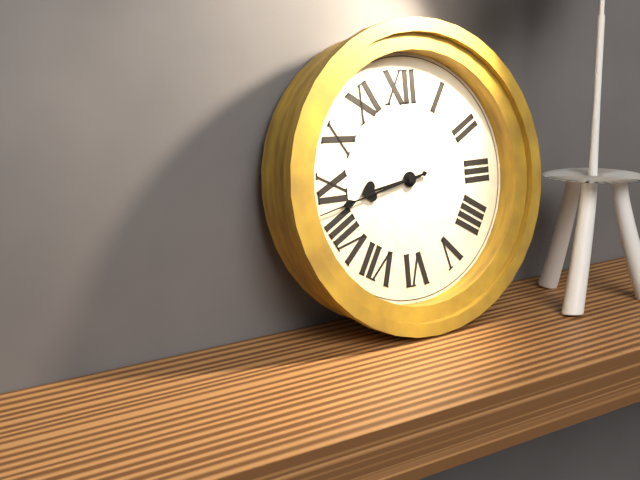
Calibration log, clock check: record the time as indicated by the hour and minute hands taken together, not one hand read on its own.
8:43
